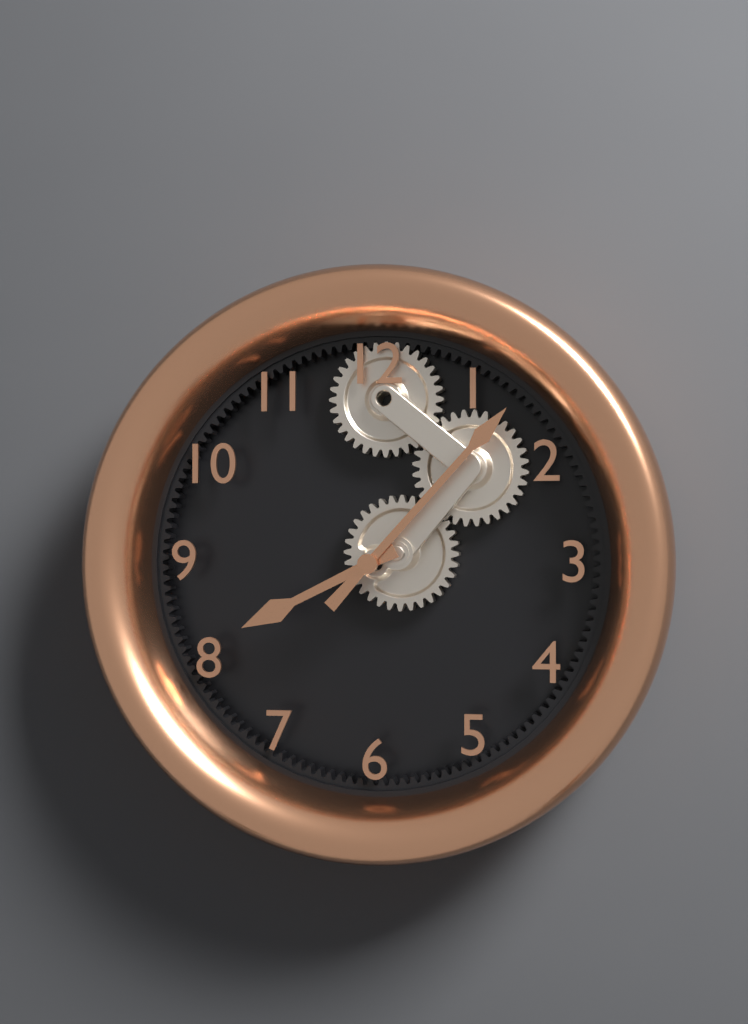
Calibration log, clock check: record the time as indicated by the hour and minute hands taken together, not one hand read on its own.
8:07
